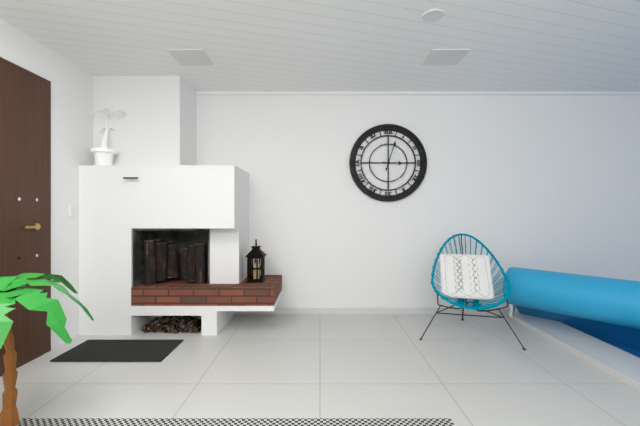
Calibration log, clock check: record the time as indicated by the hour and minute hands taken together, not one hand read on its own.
3:03
